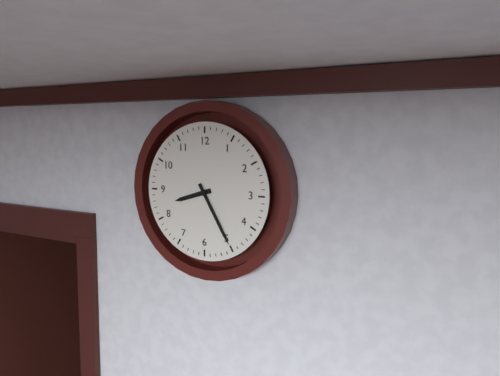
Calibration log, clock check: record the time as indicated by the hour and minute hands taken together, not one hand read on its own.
8:25
